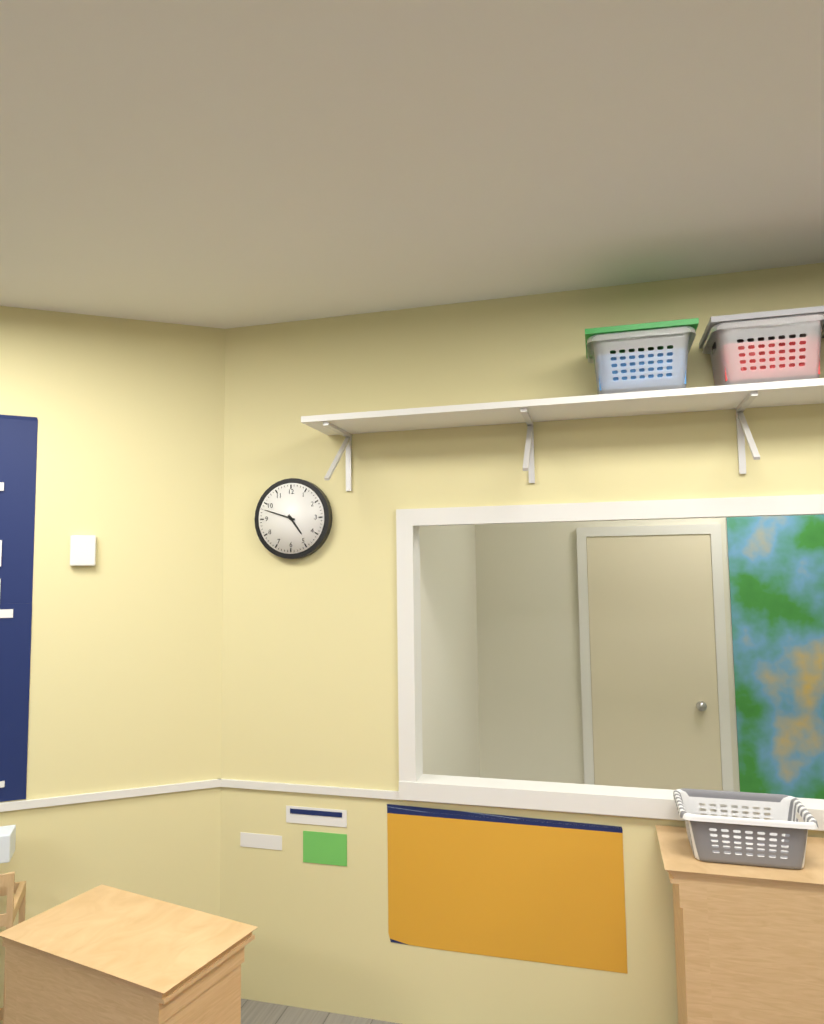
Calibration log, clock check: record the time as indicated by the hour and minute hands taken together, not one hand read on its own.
4:48
